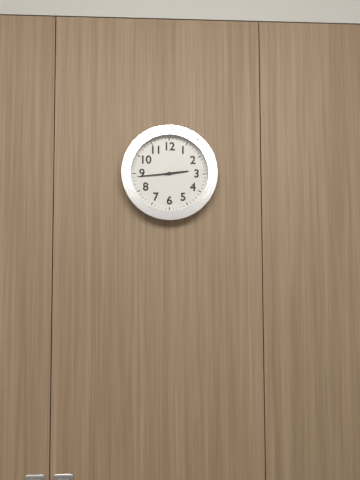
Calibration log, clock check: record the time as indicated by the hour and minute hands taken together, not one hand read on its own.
2:44
